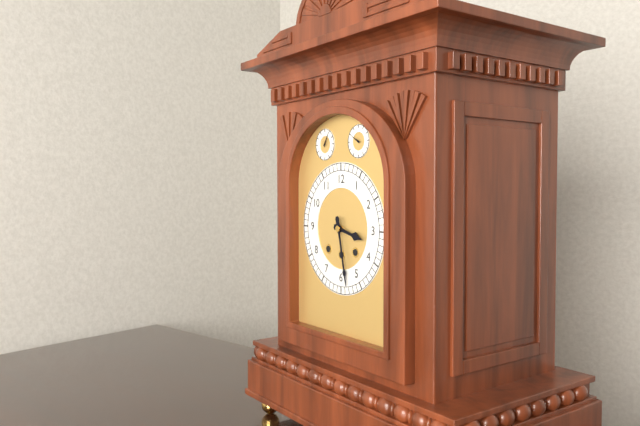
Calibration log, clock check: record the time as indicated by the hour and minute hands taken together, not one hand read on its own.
3:28
